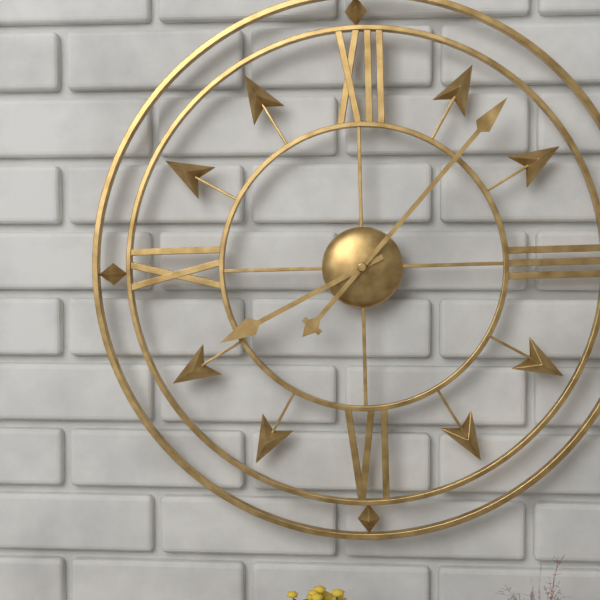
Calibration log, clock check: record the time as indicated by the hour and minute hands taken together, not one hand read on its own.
8:07
